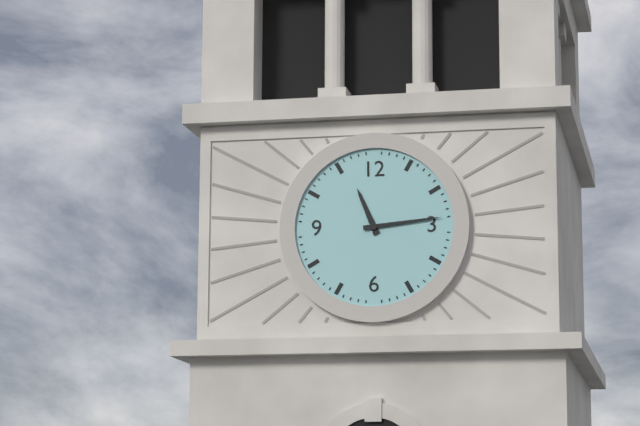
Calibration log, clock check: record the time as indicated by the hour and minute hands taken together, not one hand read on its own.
11:14
